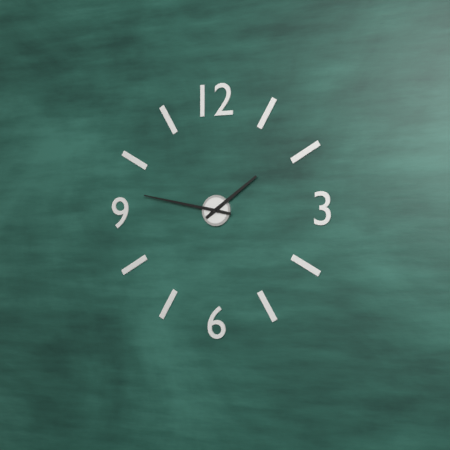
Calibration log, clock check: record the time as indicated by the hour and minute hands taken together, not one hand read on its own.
1:47
